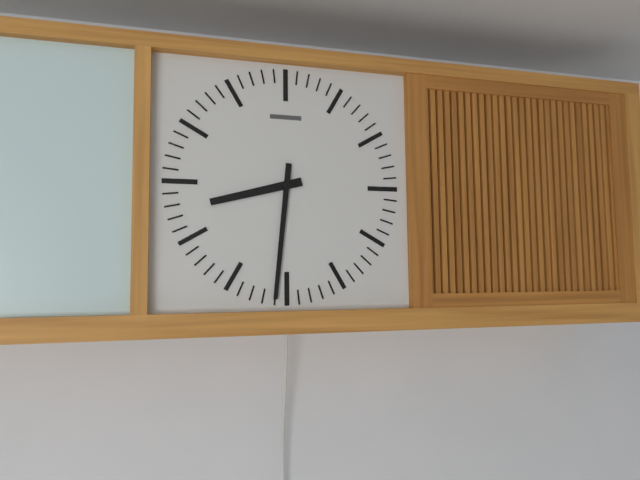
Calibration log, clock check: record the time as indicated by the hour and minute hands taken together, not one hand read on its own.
8:31
